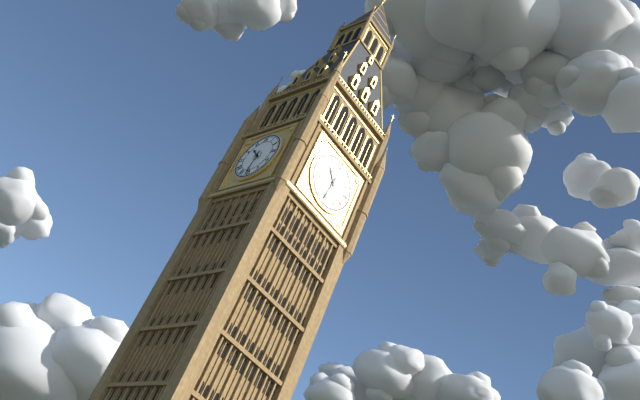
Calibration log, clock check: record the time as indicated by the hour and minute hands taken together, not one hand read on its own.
10:31
